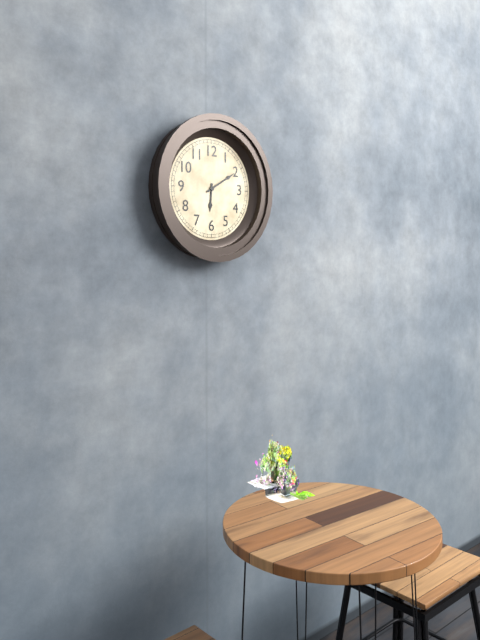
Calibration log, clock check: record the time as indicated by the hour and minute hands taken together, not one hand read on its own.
6:10
